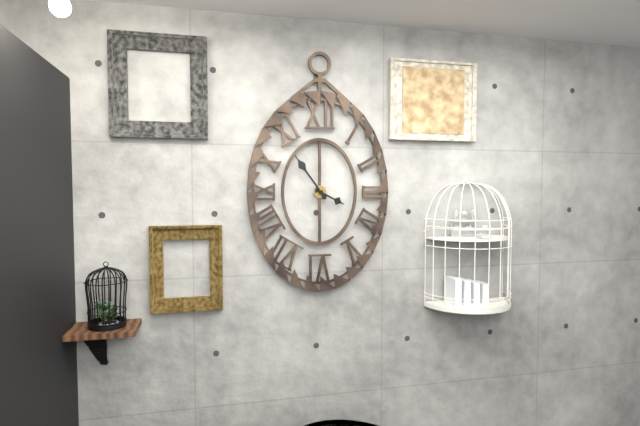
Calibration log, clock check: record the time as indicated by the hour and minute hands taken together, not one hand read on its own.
3:54
